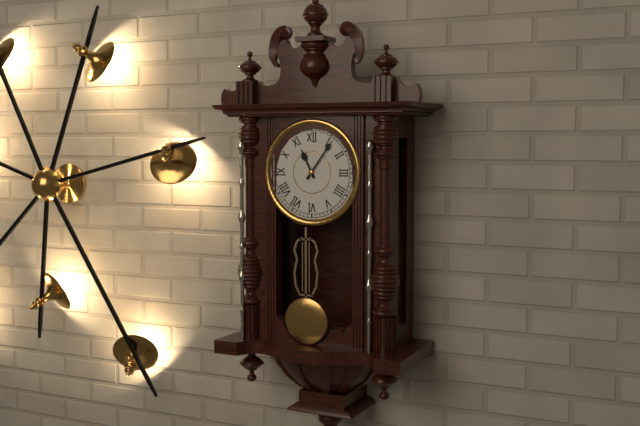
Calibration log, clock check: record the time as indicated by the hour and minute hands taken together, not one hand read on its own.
11:06
